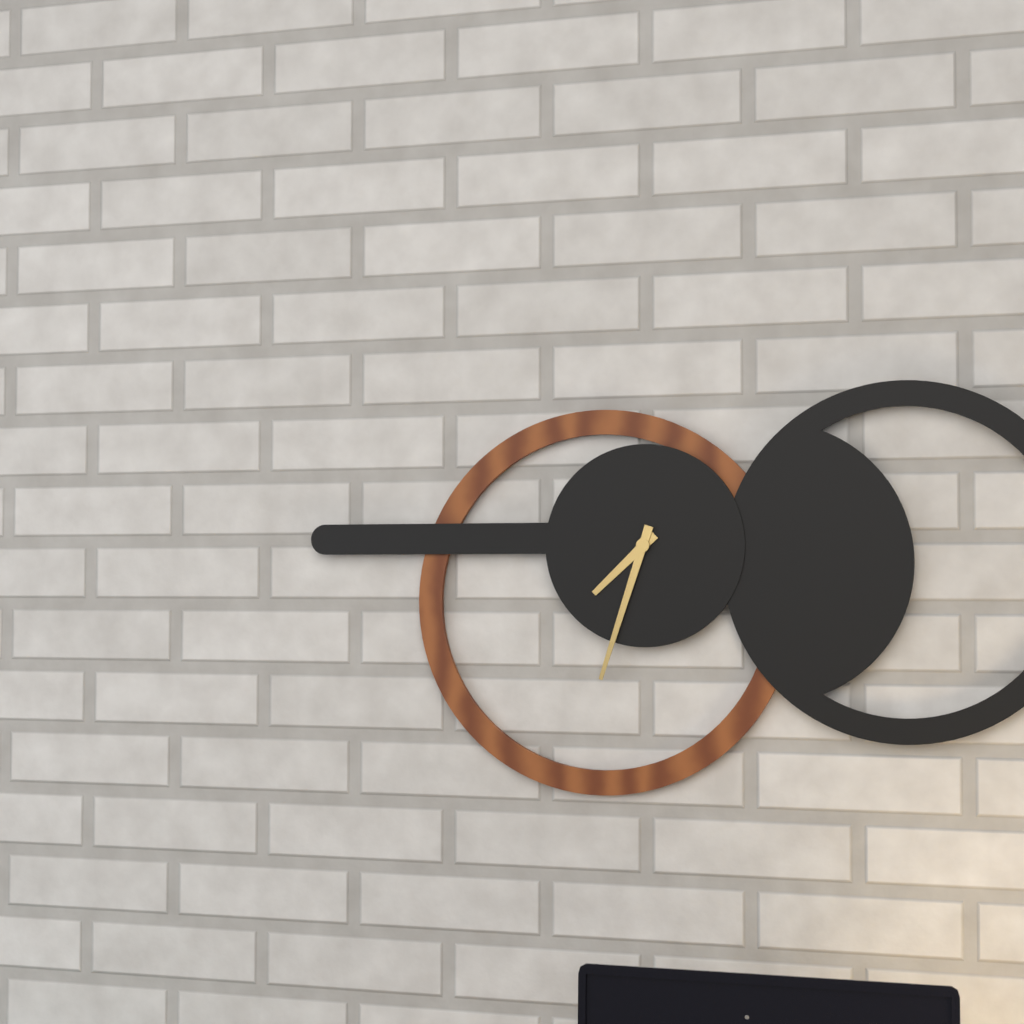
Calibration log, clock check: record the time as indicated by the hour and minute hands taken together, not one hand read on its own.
7:33
